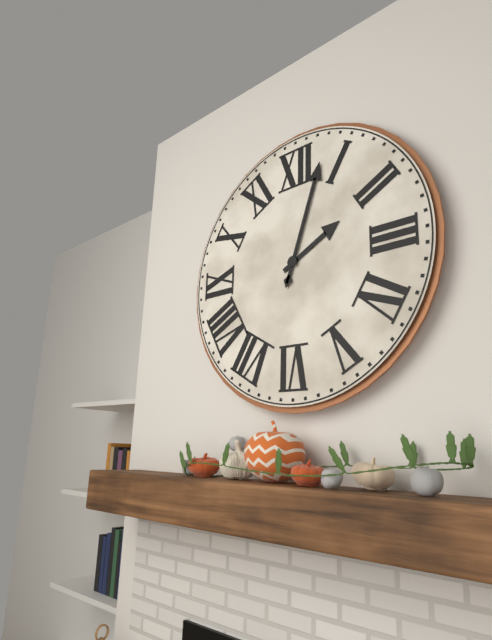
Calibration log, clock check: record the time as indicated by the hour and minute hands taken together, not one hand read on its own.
2:03
